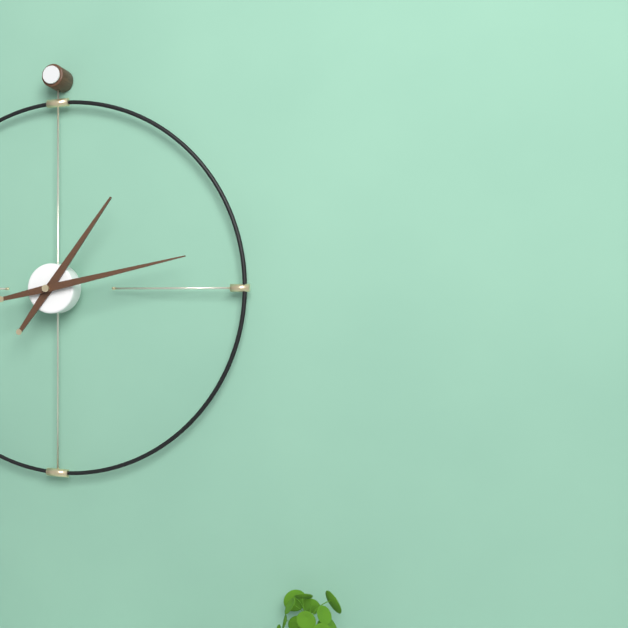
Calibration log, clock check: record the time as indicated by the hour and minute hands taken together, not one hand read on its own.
1:13
